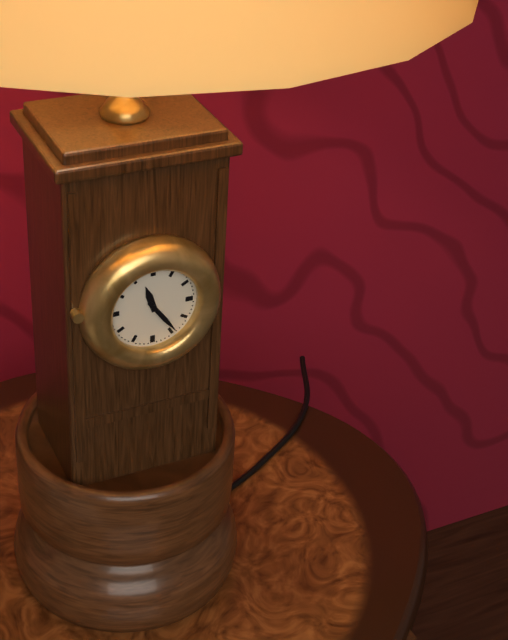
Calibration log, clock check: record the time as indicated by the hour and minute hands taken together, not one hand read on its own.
11:24
